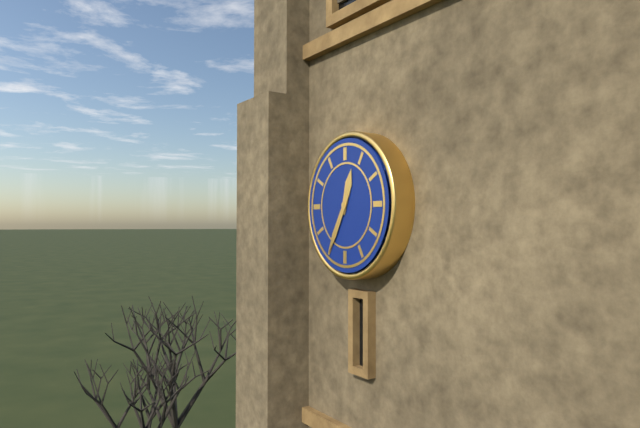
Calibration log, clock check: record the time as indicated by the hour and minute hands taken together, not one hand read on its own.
12:35
